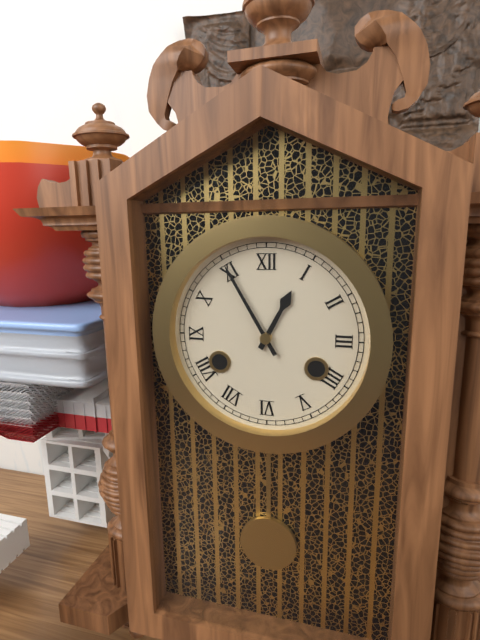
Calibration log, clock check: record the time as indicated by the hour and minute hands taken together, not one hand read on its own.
12:55
